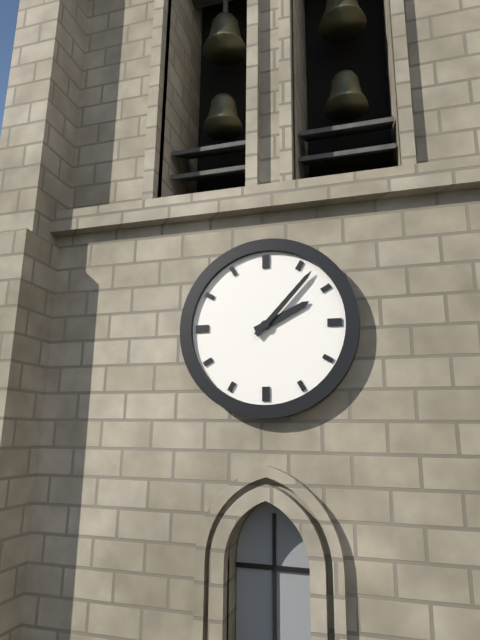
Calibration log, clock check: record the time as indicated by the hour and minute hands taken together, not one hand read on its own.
2:07
